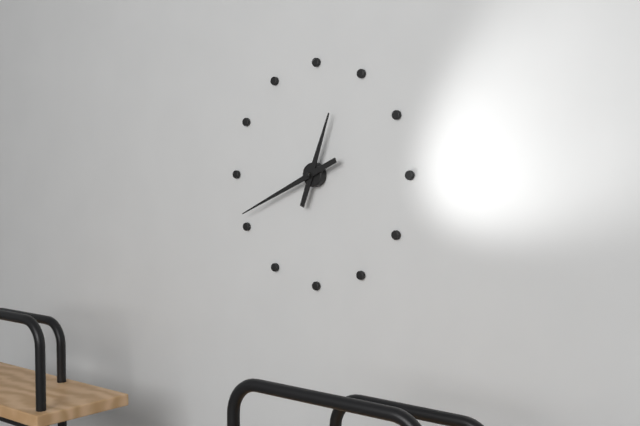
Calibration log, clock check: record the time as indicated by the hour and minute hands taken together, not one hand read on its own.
12:41
